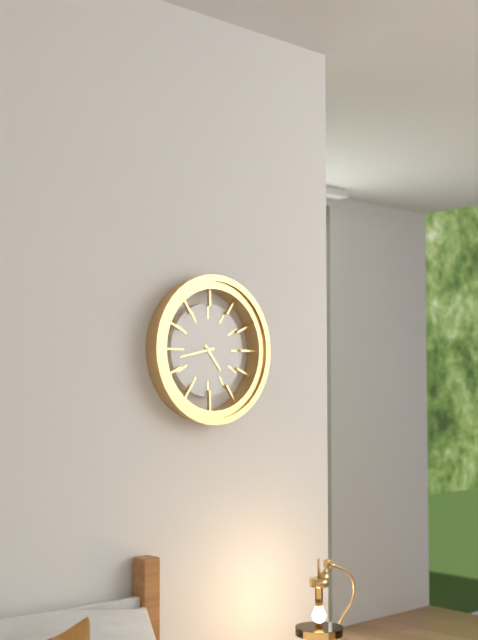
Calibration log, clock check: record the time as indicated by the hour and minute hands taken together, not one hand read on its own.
4:43
